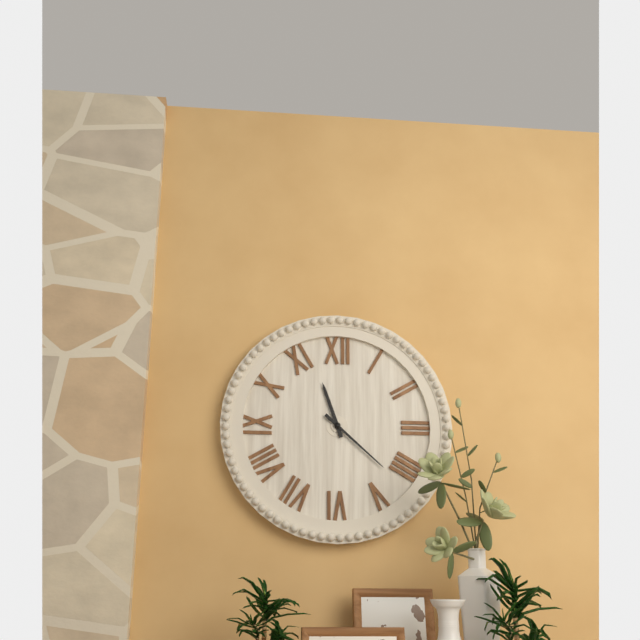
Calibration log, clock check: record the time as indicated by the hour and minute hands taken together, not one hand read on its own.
11:22
